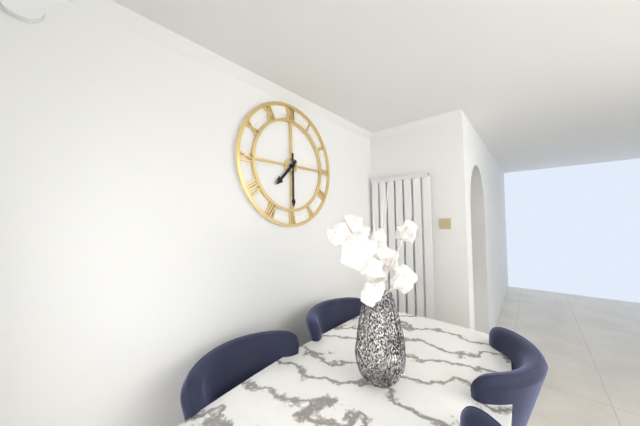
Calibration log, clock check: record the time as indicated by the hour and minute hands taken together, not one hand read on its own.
7:30
